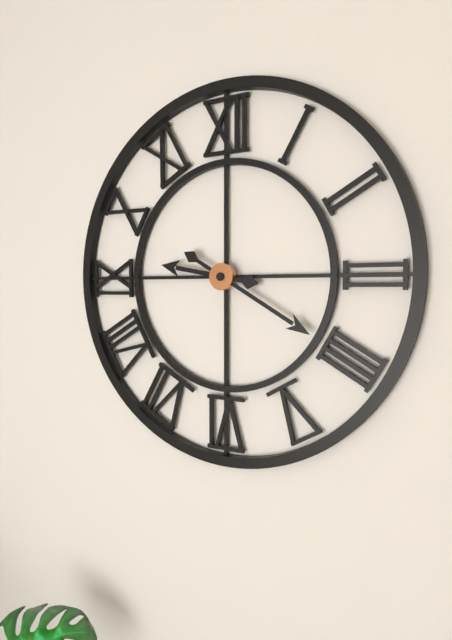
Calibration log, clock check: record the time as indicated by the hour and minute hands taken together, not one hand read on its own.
9:20
